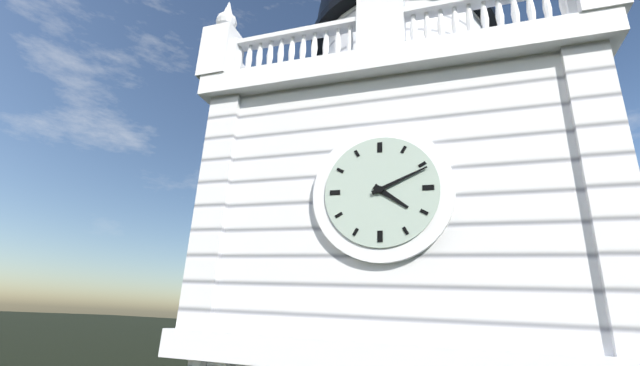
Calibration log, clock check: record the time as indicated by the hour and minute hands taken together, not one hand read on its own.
4:11
